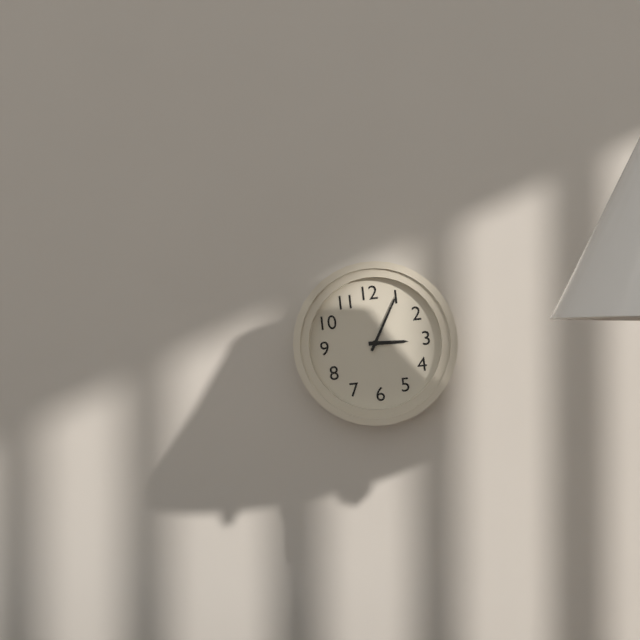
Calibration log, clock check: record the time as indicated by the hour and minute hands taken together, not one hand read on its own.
3:05
